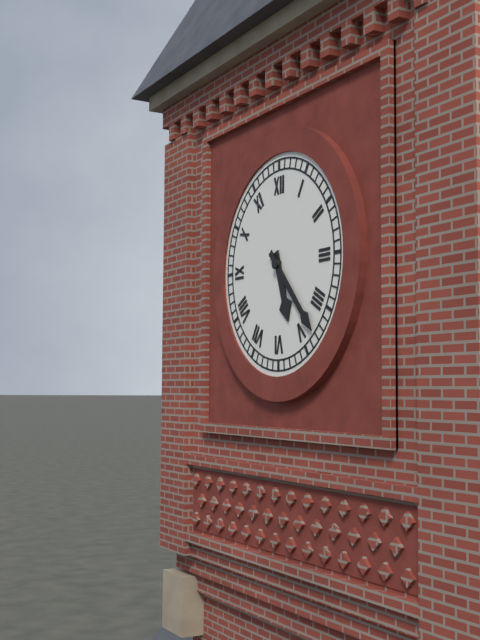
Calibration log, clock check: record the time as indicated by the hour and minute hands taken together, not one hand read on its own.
5:23
